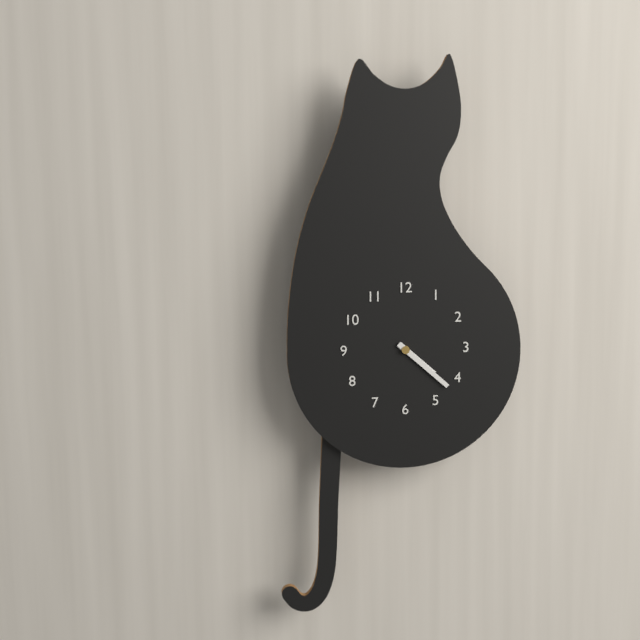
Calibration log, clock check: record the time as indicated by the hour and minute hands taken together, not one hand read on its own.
4:22
